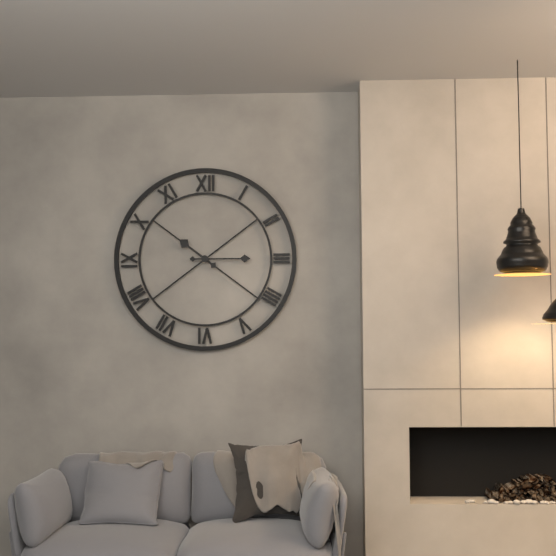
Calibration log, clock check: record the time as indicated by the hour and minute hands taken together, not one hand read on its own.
10:15
